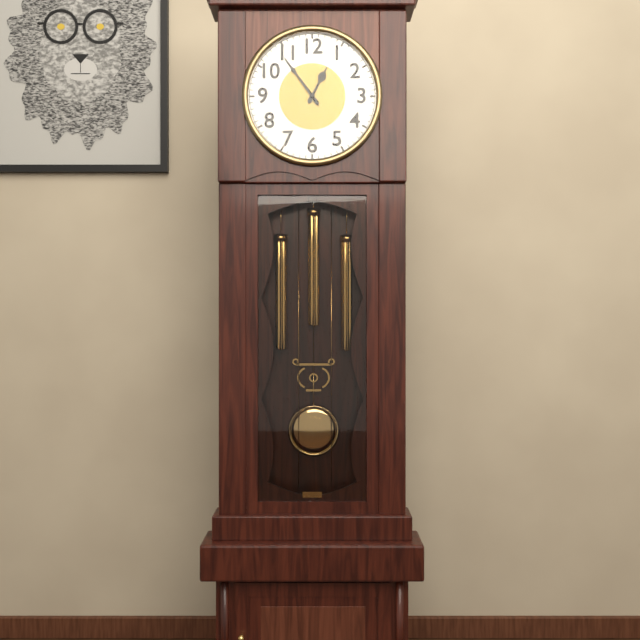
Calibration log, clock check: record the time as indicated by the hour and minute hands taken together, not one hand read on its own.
12:54
